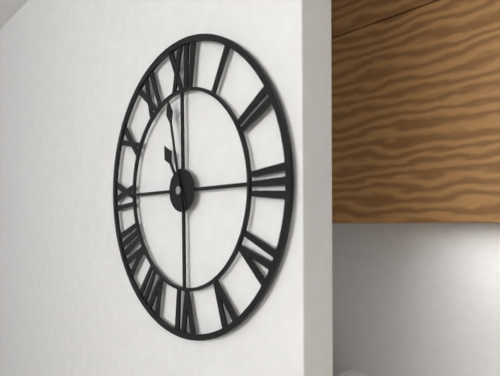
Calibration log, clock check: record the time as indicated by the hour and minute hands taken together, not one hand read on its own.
10:58
